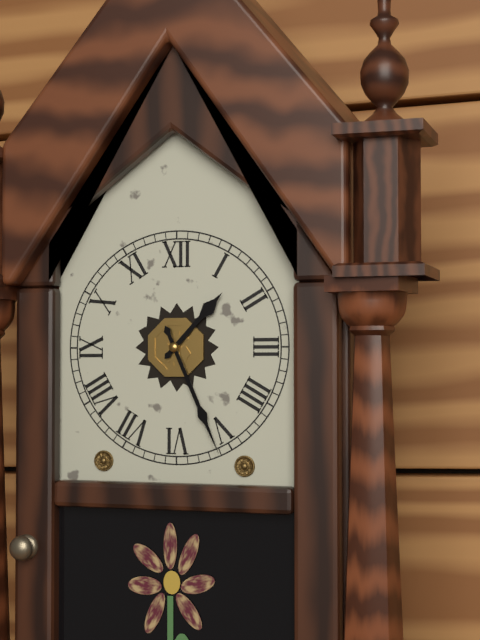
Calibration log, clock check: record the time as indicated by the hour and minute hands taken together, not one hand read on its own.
1:26
